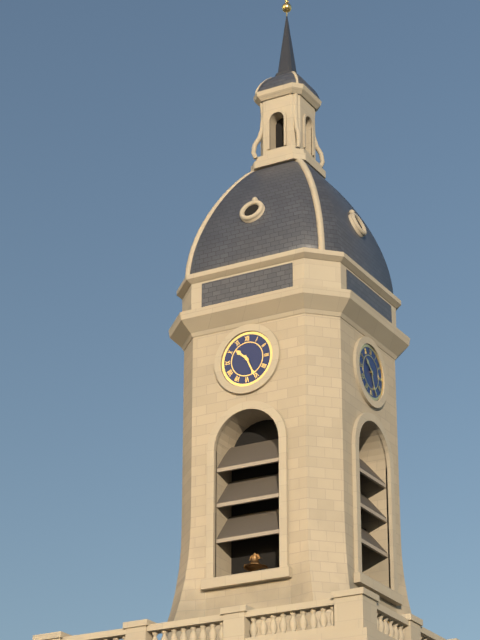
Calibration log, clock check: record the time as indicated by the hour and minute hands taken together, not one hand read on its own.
10:26
